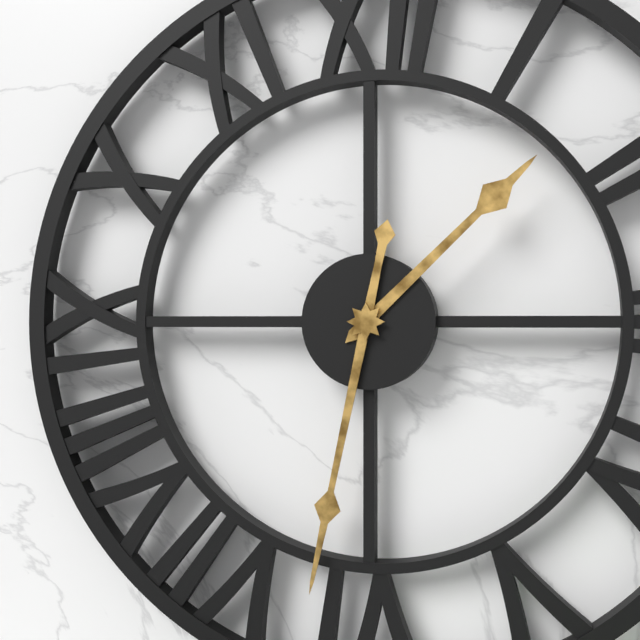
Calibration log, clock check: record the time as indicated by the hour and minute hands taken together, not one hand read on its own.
1:32
